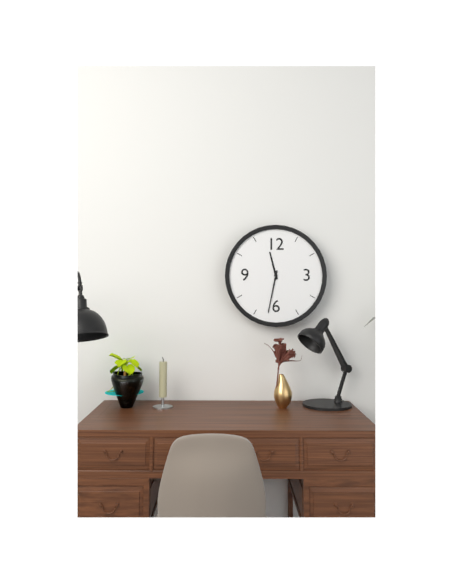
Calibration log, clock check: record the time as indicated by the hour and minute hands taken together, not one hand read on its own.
11:32
